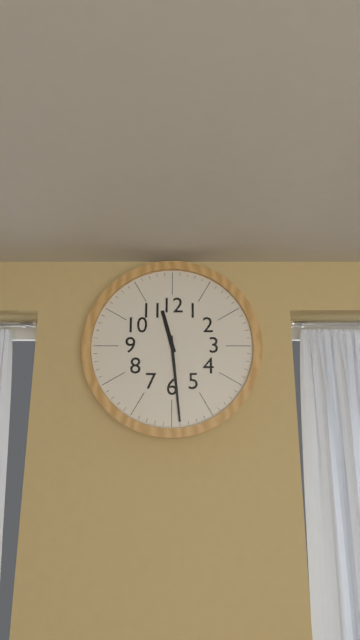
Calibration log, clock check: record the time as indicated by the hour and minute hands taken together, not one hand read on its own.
11:29
